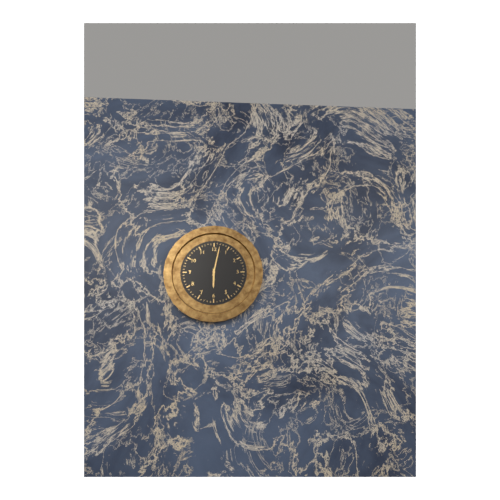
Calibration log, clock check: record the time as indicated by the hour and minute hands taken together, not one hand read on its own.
6:02
